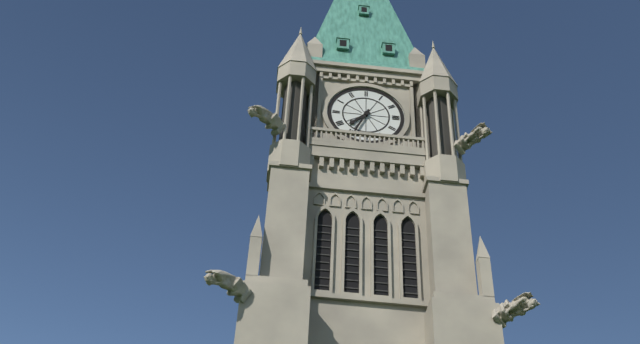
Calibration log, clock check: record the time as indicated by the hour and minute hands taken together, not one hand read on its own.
7:34
